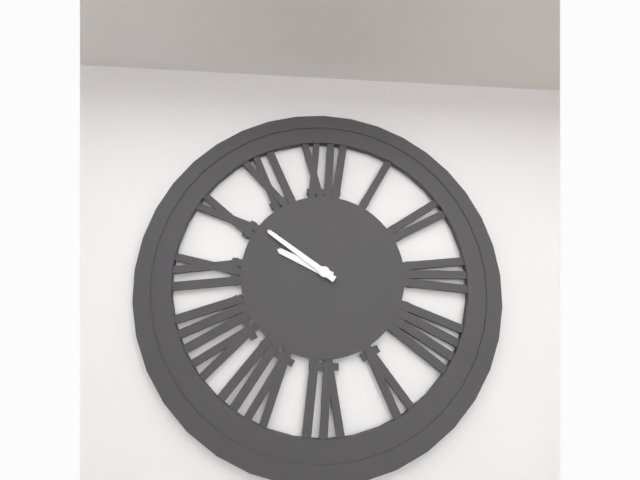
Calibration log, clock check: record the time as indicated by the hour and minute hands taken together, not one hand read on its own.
9:51
